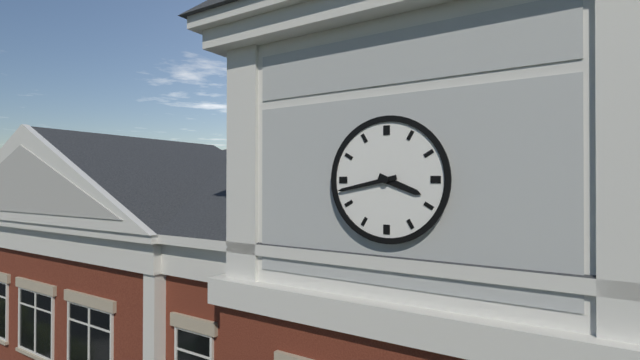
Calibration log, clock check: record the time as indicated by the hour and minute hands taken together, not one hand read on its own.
3:43
